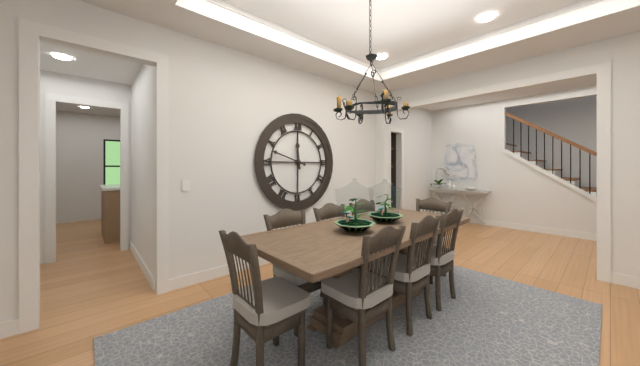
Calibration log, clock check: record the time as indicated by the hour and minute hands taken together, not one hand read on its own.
11:48
